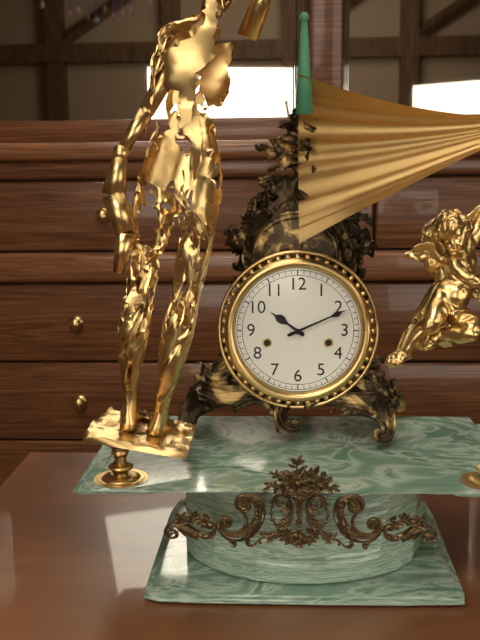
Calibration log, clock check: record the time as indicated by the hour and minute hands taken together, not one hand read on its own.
10:11
